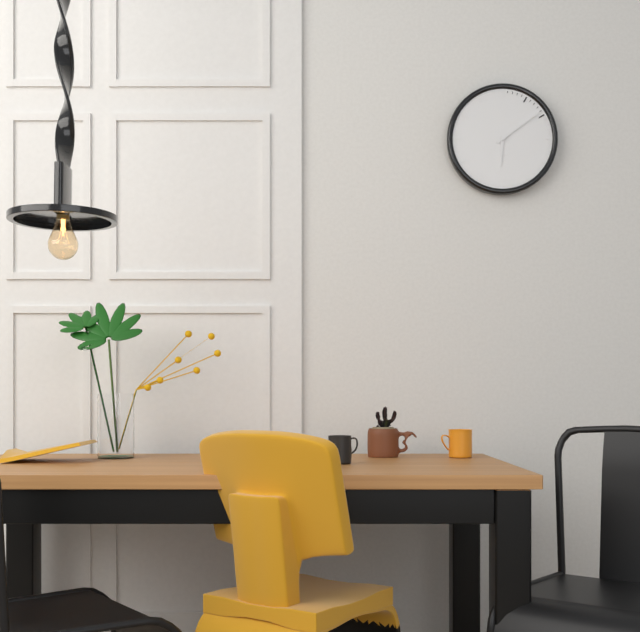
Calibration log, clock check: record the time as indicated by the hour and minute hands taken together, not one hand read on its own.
6:09
